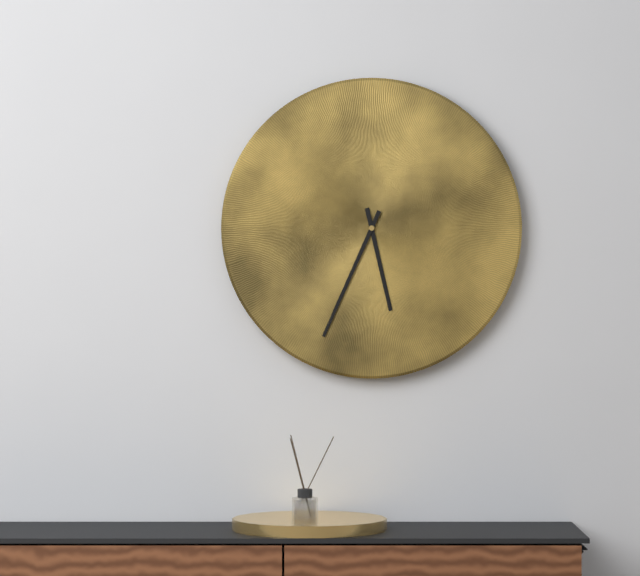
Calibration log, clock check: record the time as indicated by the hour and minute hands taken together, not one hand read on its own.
5:34
